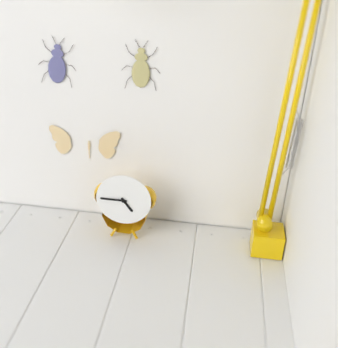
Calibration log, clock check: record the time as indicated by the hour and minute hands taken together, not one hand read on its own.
4:45
